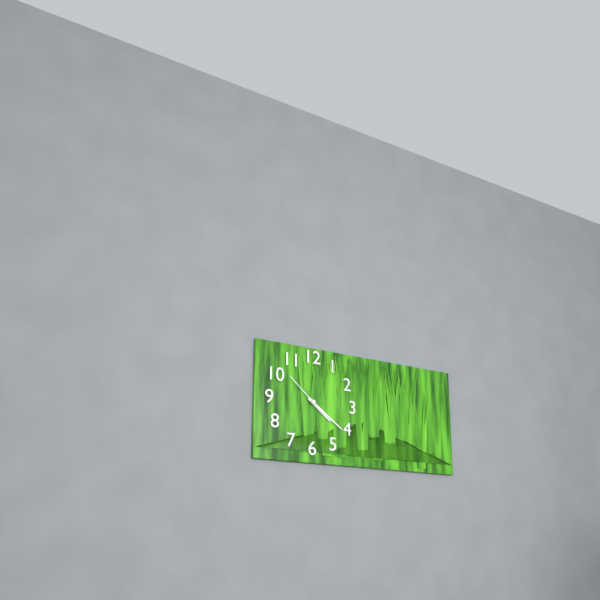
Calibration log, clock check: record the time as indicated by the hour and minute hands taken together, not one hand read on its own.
4:21
